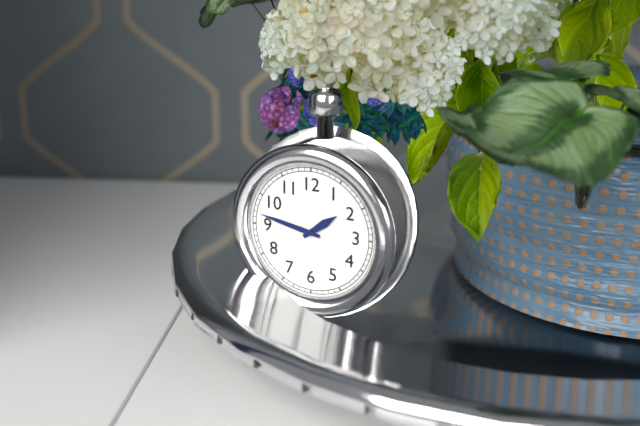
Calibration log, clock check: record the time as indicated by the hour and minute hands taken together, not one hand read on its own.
1:47
